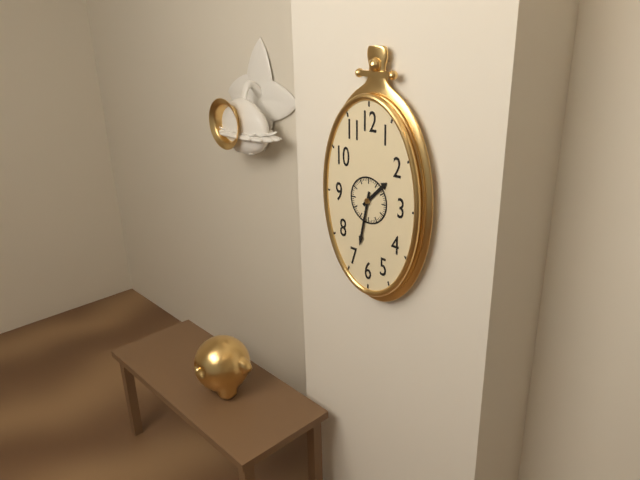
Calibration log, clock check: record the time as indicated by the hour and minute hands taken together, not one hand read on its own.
1:32
